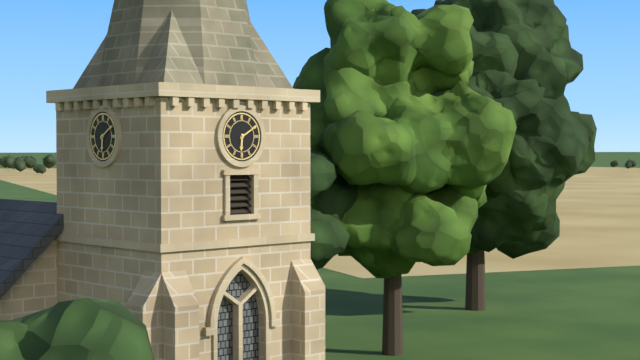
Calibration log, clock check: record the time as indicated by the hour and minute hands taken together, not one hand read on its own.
6:10
